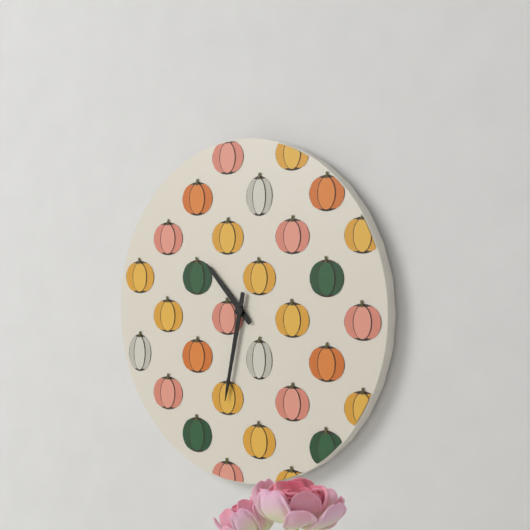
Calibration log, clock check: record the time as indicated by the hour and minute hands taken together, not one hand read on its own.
10:32
